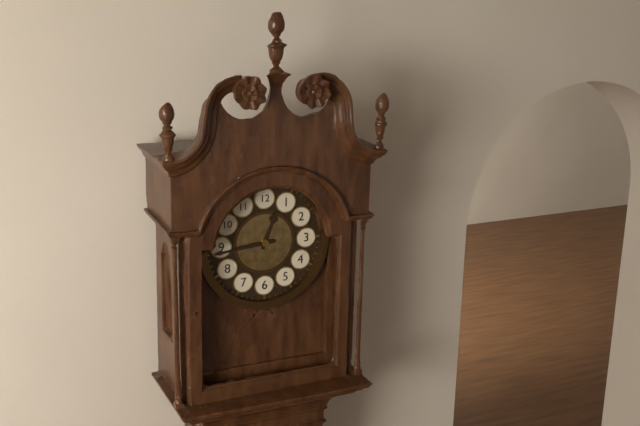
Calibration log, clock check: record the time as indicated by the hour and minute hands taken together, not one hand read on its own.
12:44
